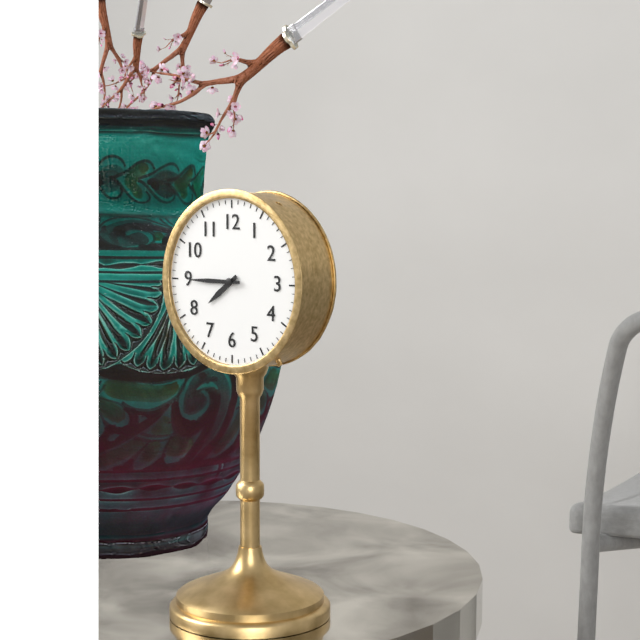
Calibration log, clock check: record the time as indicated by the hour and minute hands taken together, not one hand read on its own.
7:45
